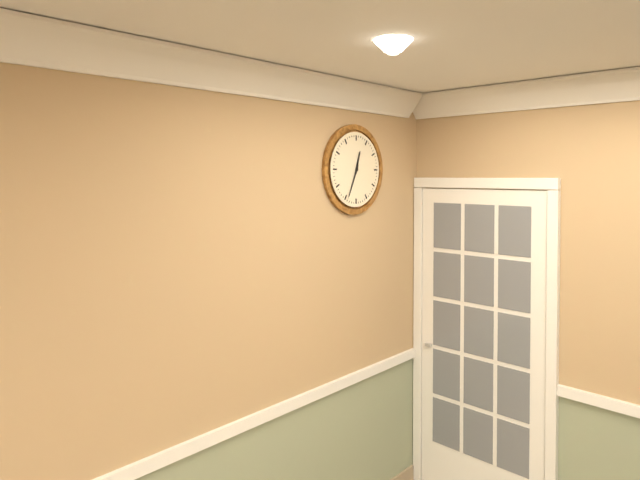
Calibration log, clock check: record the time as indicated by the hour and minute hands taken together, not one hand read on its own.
12:34
